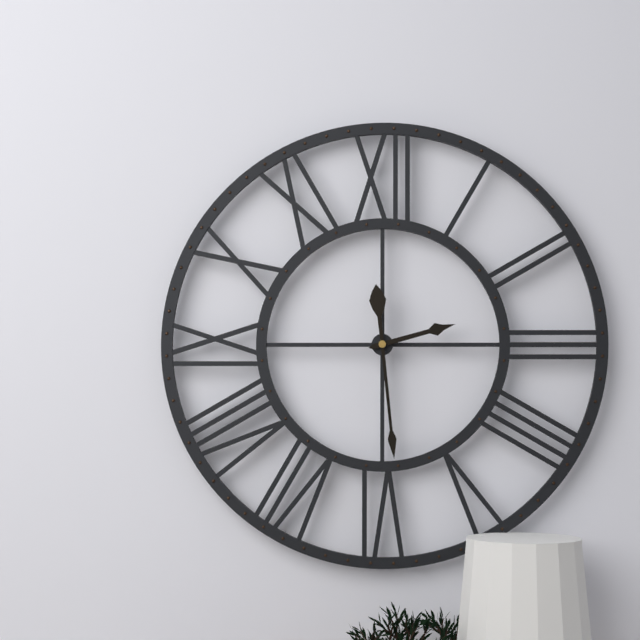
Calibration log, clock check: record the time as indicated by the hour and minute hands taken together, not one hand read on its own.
2:29
